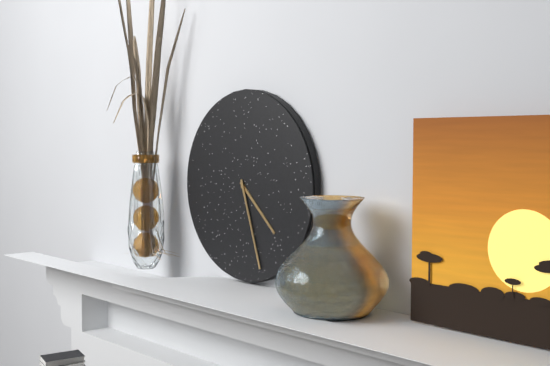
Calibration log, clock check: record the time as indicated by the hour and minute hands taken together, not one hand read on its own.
4:27
